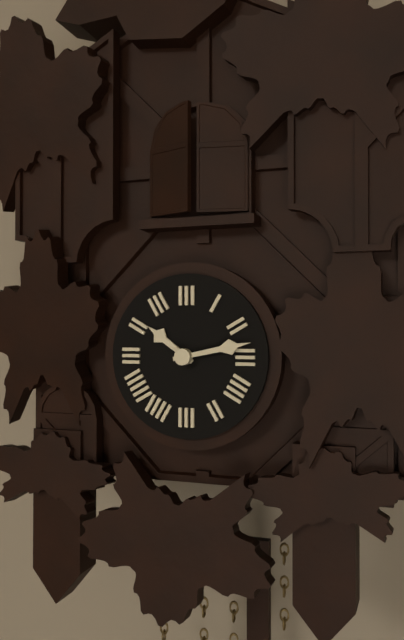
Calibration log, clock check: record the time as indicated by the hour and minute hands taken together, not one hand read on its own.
10:13
